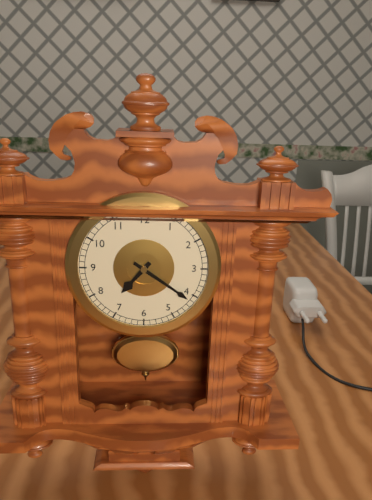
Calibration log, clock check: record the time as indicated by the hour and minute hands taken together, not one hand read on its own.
7:21
